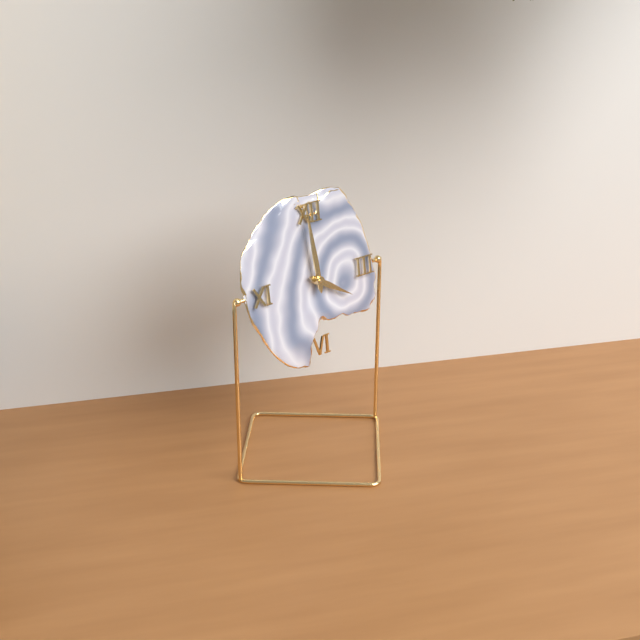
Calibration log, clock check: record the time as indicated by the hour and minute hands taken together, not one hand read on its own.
3:59
